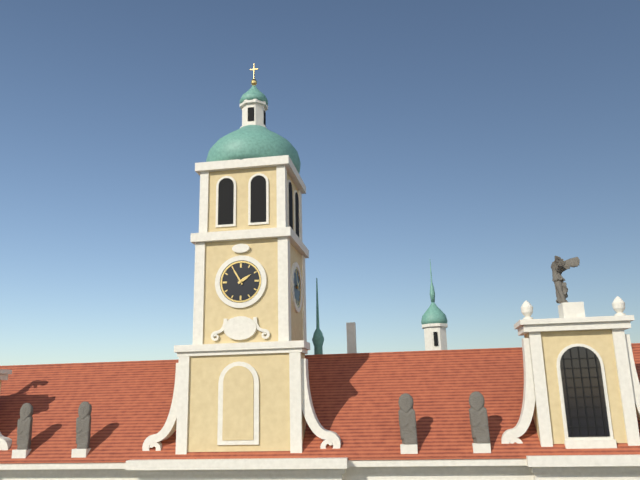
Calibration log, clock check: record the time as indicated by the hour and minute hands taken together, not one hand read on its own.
1:55
